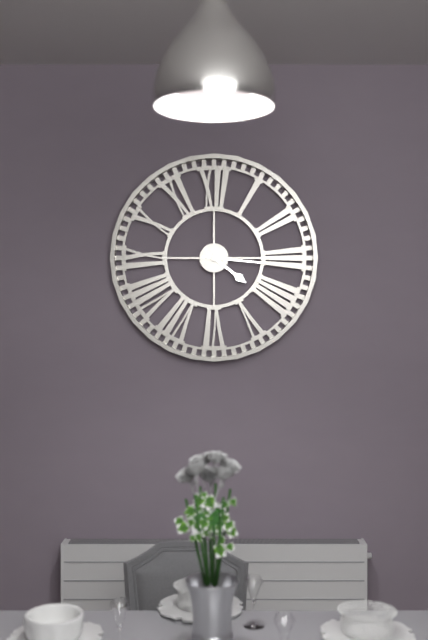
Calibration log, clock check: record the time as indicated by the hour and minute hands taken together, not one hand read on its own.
4:16
